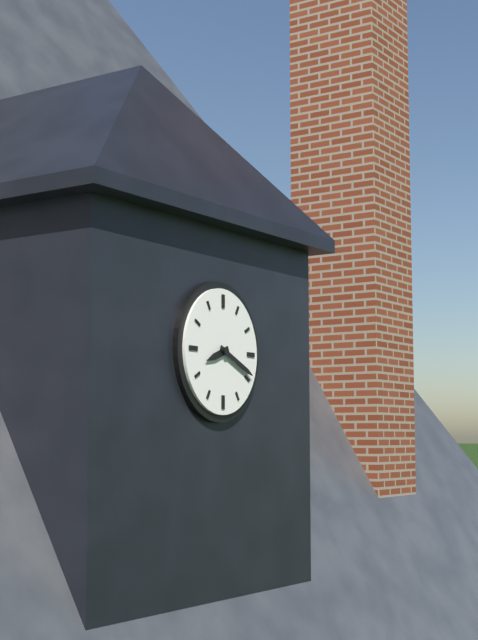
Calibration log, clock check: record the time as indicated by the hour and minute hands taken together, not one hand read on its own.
8:19
